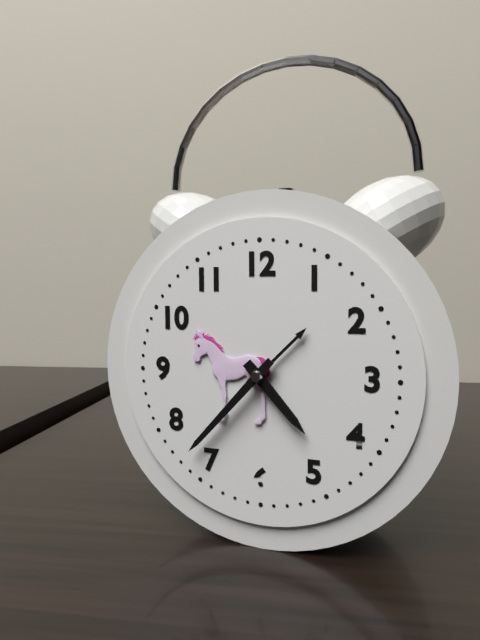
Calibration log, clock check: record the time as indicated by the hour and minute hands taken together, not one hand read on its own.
4:37
